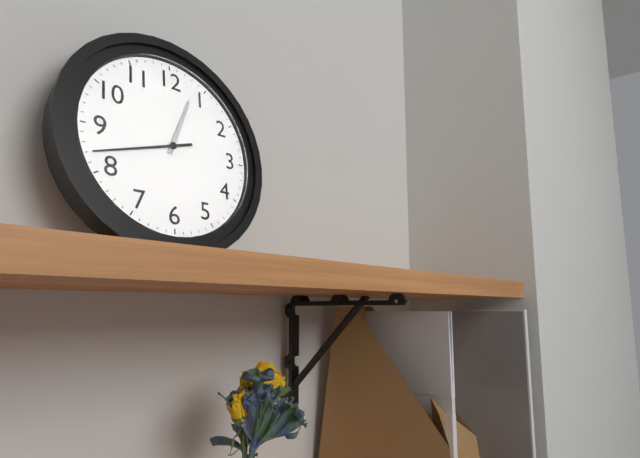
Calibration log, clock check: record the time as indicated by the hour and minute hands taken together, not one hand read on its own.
12:42
